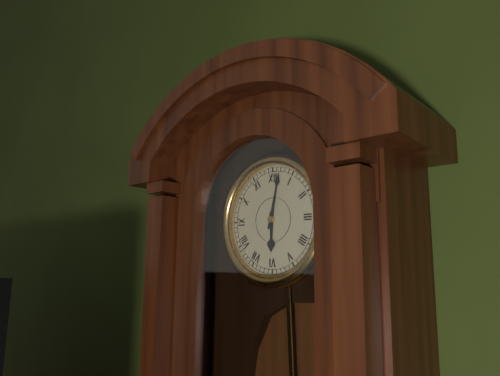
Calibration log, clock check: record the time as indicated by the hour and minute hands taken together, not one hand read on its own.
6:02
